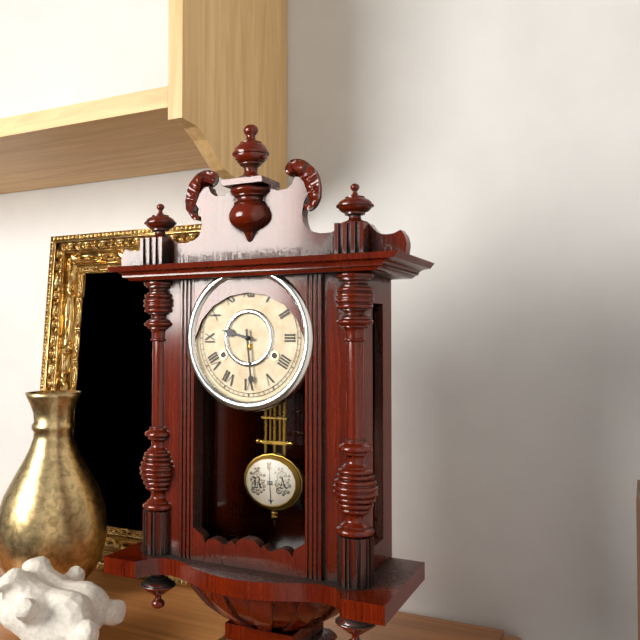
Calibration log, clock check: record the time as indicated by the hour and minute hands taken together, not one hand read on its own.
9:29
